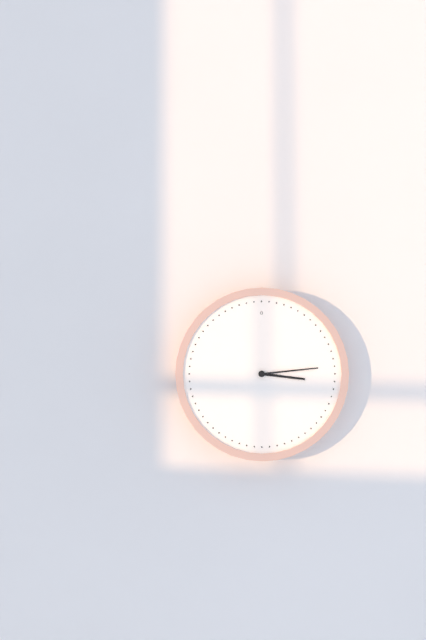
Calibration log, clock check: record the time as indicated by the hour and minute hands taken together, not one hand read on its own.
3:14
